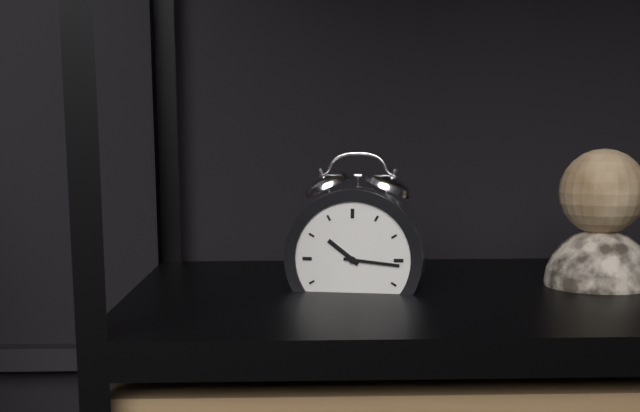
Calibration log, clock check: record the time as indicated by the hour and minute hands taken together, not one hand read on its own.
10:16
